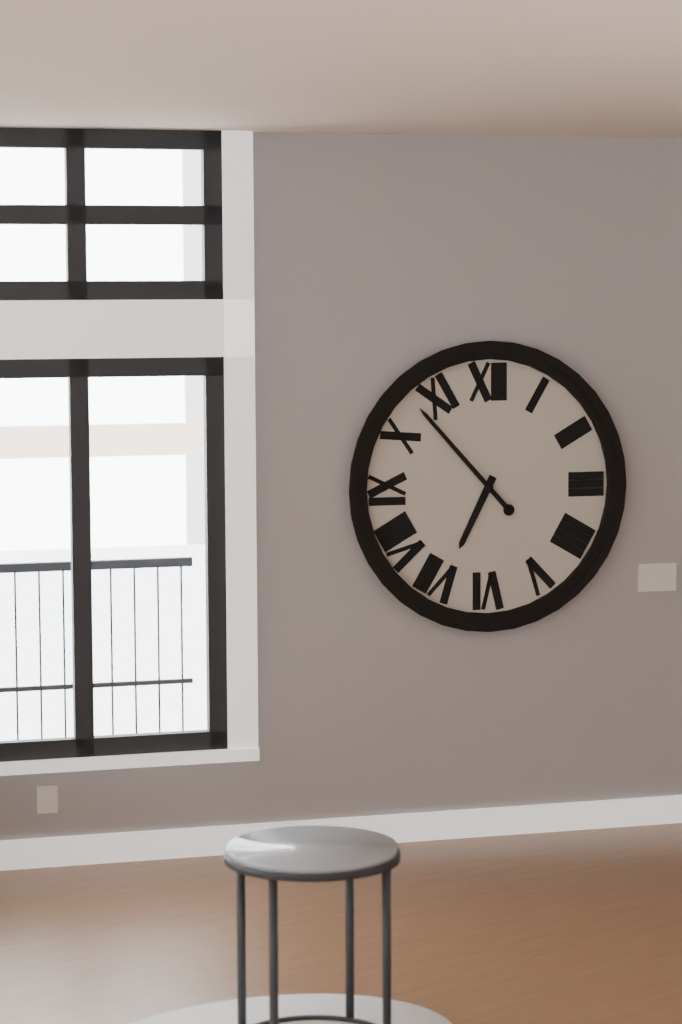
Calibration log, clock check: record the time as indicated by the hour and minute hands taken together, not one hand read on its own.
6:53
